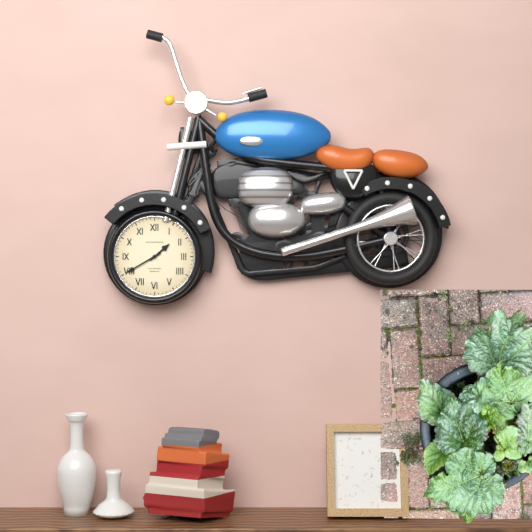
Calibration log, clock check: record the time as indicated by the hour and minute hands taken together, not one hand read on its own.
1:40
